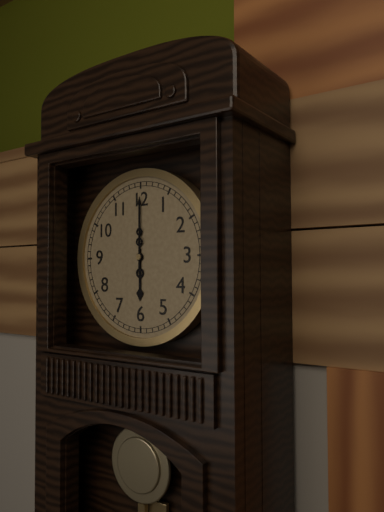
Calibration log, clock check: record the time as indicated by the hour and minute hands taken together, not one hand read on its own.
6:00
